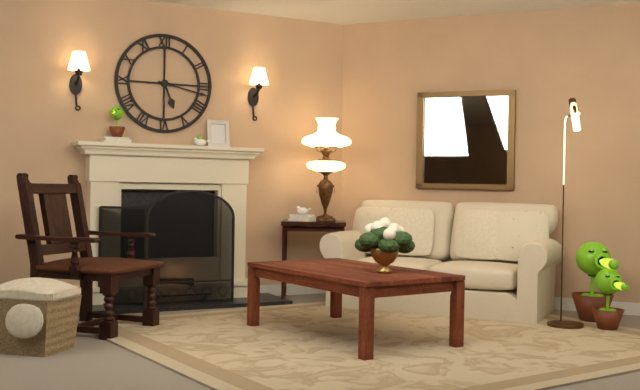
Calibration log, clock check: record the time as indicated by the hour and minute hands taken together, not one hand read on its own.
5:17
